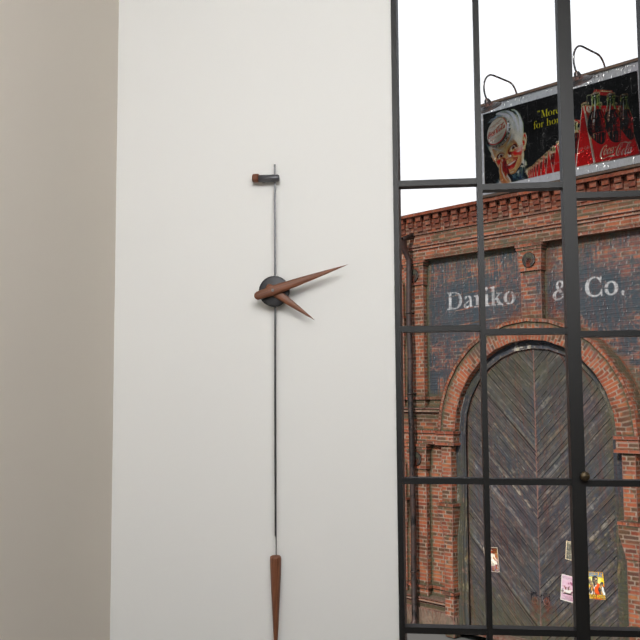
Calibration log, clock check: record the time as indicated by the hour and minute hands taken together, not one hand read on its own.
4:12
